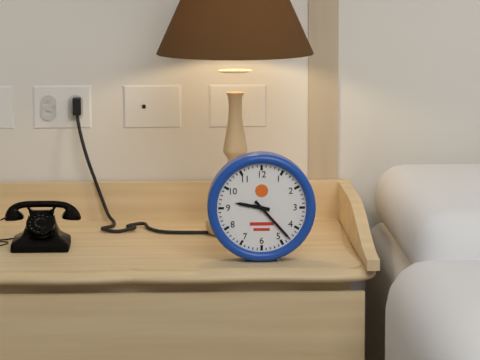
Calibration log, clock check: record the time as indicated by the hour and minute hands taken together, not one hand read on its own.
9:23
